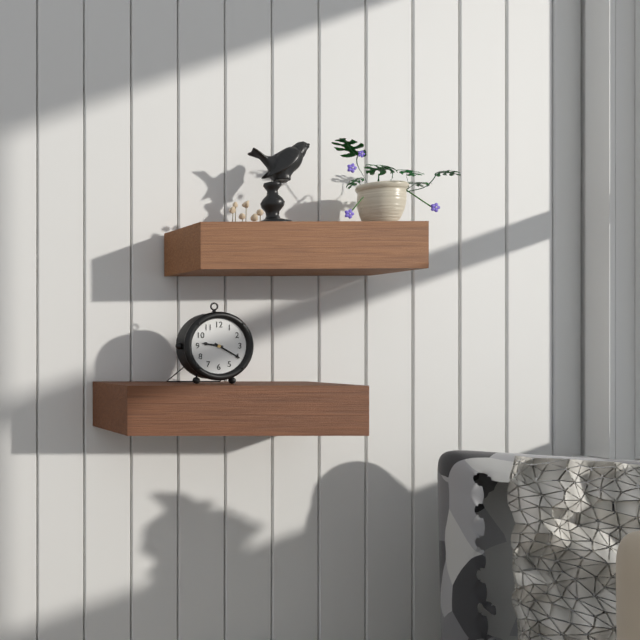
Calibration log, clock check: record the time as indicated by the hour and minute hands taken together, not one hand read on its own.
9:20
